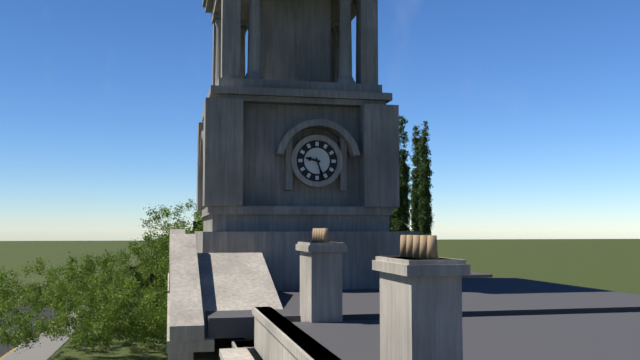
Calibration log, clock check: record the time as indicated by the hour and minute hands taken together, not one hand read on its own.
9:27
